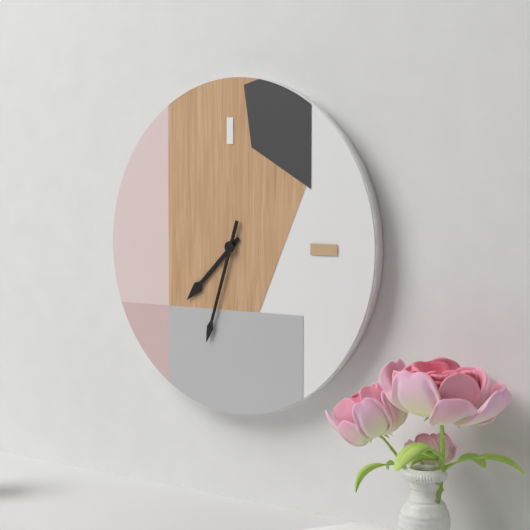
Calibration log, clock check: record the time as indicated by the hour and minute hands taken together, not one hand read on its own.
7:33
